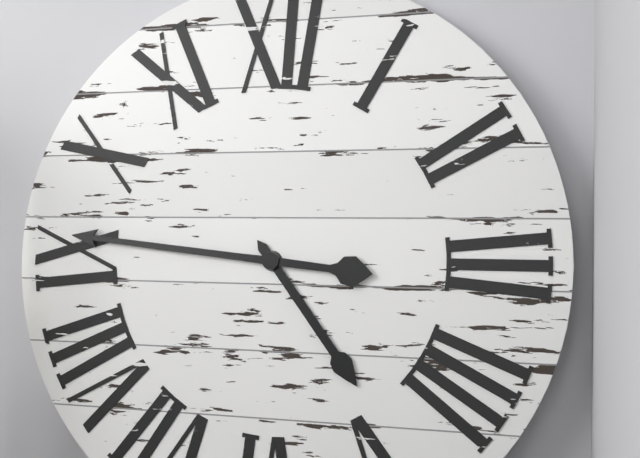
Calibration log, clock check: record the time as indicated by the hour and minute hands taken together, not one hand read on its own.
4:46
